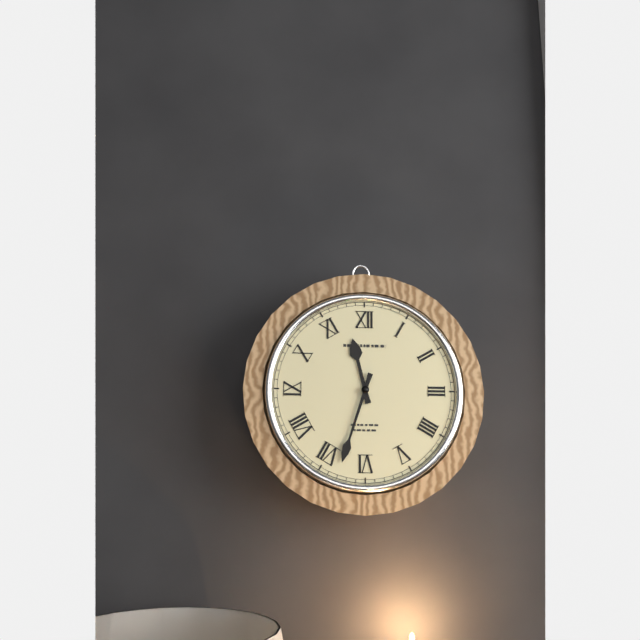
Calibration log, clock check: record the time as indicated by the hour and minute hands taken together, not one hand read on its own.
11:33
